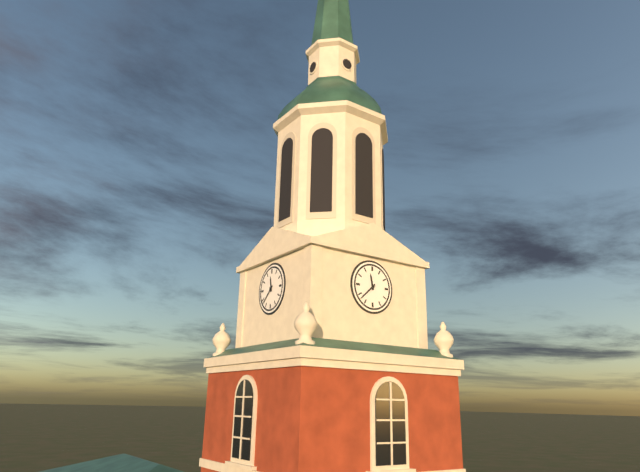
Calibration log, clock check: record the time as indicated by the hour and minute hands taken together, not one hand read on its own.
11:38
